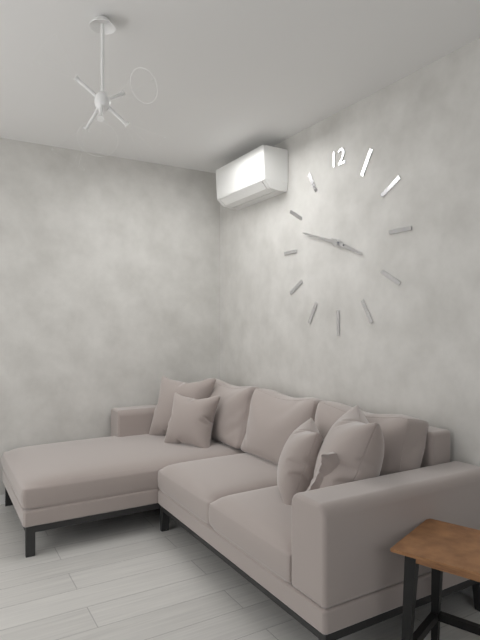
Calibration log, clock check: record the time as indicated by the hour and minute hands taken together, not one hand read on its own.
3:48
